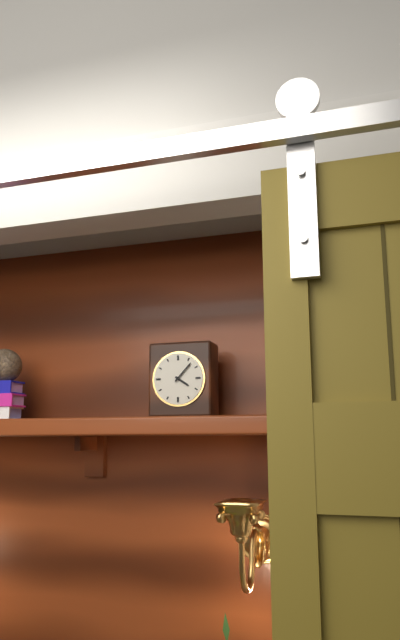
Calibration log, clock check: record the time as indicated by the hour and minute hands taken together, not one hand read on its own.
4:07
